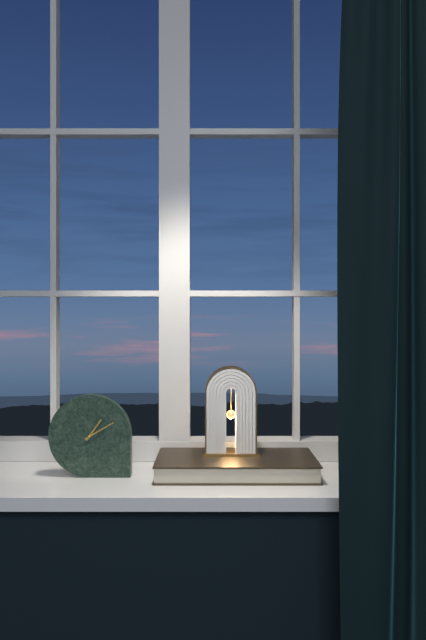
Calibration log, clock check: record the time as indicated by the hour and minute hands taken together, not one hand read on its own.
1:10
